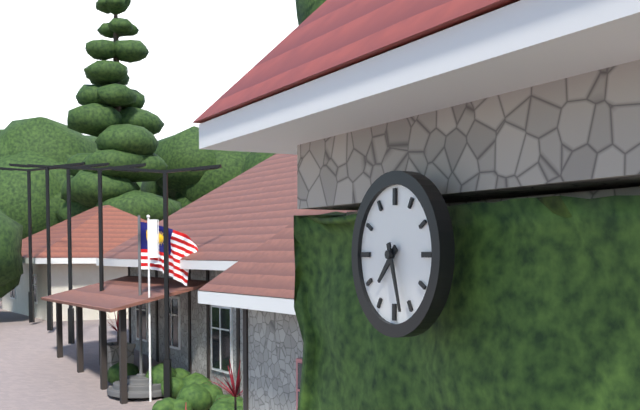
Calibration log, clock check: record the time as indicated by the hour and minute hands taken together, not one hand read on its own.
7:27
